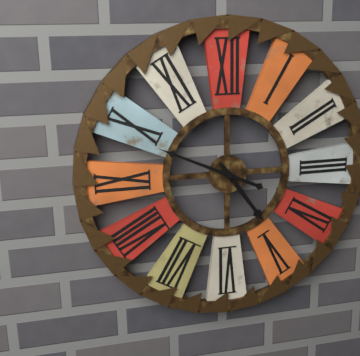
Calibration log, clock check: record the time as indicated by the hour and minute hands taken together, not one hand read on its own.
4:49
